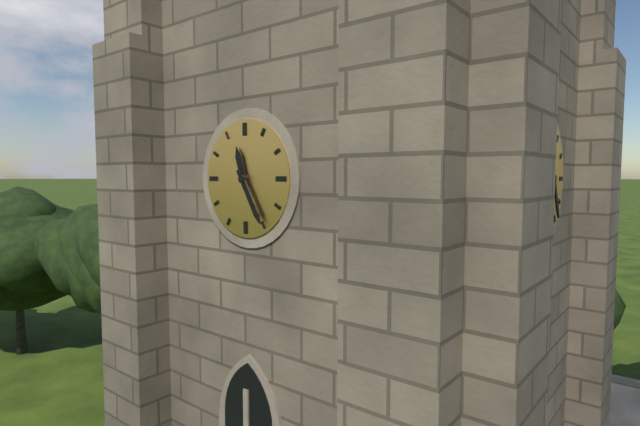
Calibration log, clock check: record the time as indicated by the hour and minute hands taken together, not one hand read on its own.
11:25
